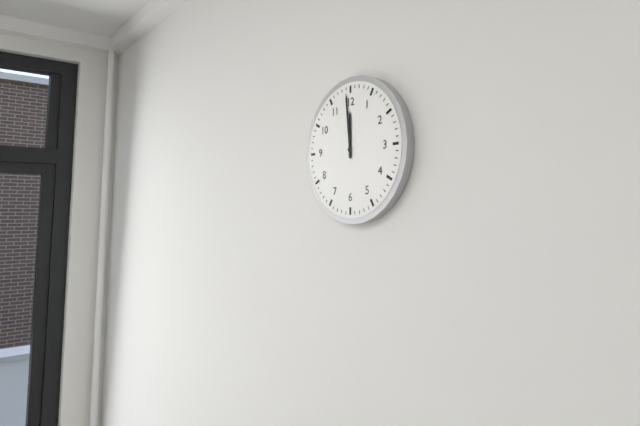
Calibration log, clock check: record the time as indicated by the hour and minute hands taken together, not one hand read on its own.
11:59
